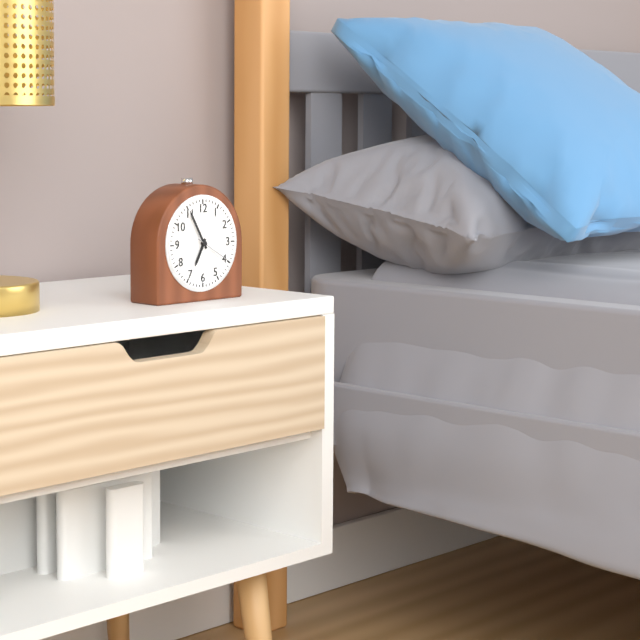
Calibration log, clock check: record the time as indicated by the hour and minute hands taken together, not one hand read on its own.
6:55
